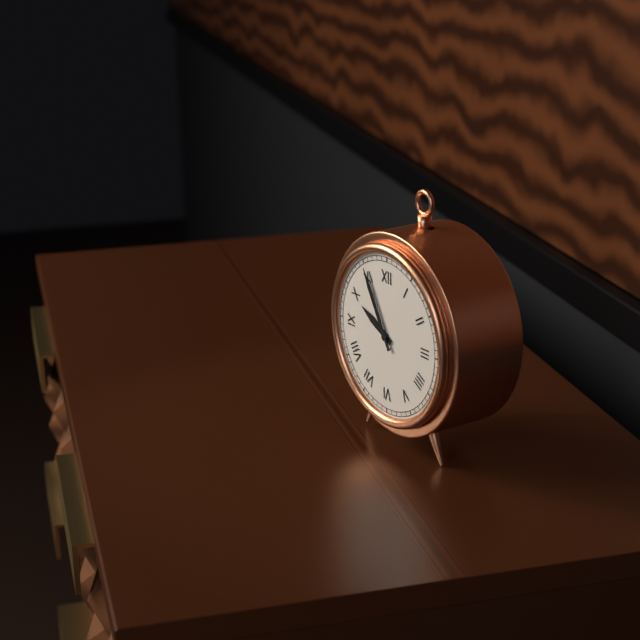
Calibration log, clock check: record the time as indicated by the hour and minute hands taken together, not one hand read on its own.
9:55
